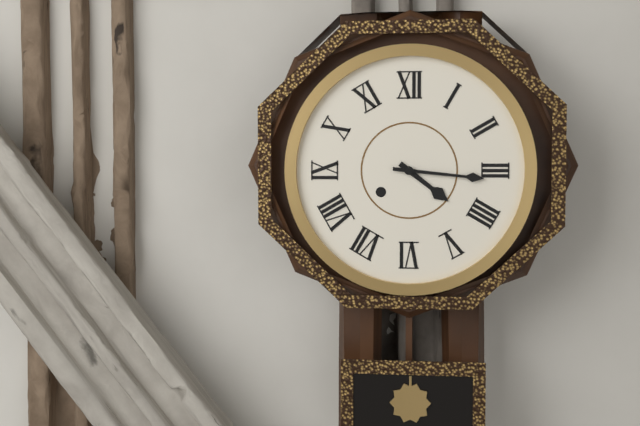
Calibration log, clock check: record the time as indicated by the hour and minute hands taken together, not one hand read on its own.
4:16
